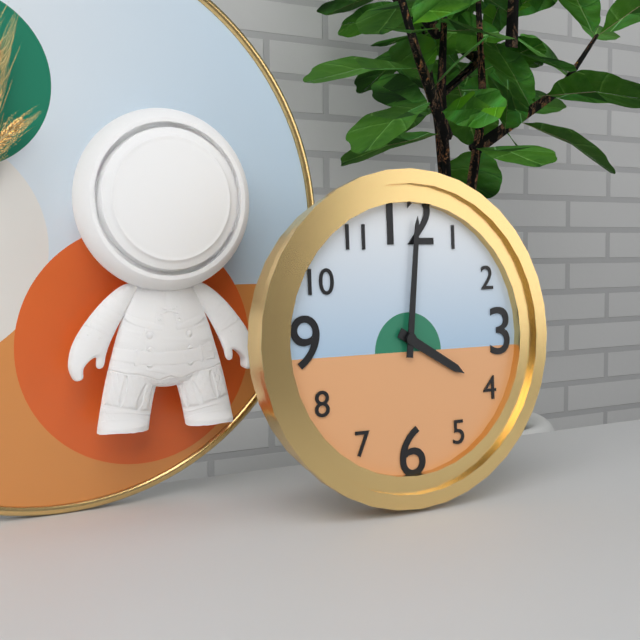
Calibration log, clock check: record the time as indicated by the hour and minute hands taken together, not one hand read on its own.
4:01
